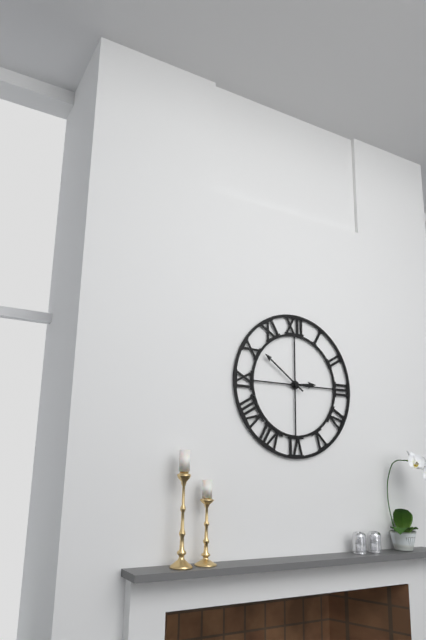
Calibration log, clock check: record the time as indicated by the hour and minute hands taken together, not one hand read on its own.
2:51
